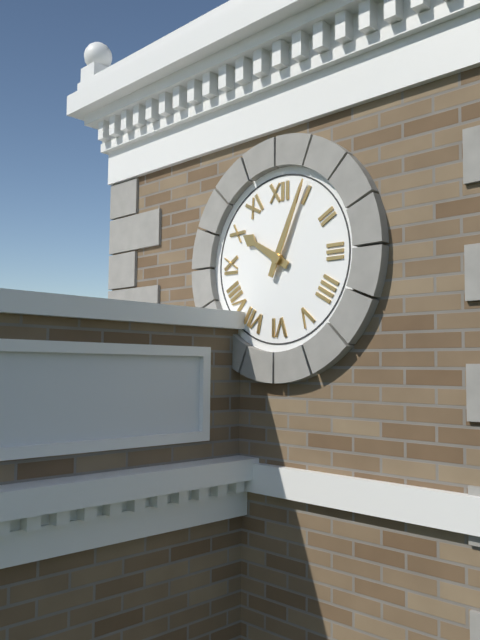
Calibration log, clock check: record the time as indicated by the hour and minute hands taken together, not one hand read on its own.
10:04
